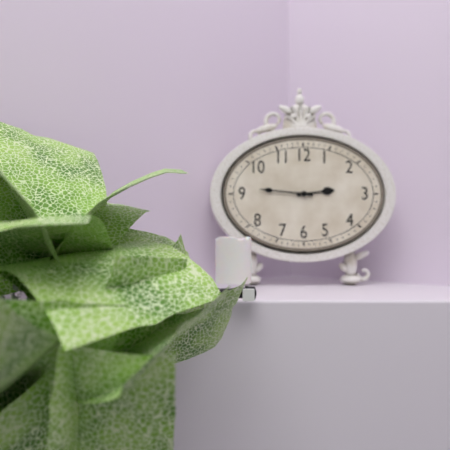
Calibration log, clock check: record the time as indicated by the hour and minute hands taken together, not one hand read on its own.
2:46
